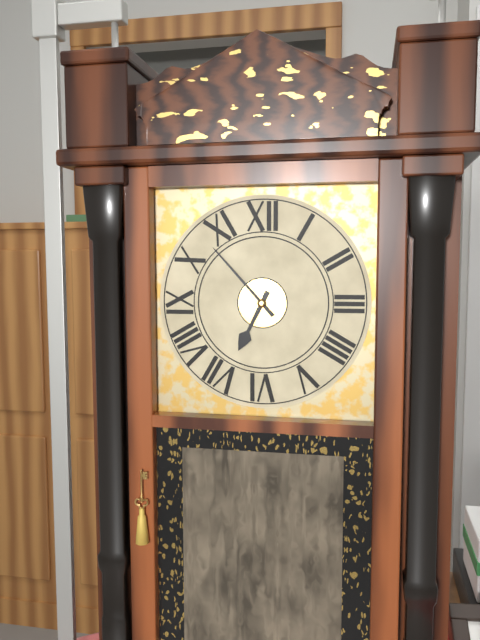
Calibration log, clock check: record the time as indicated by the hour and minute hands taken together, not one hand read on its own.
6:53
